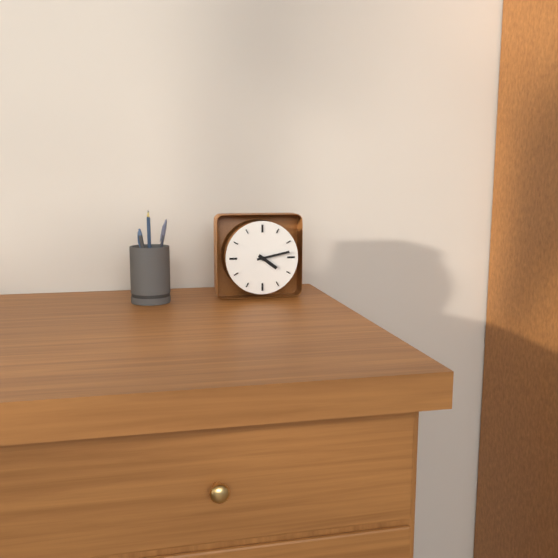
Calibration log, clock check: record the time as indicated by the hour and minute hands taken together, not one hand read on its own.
4:13
